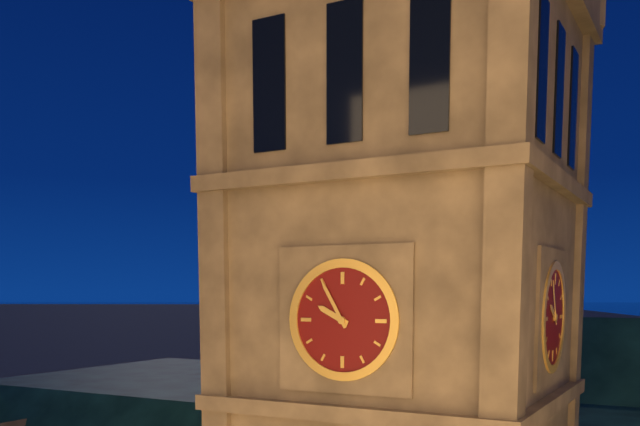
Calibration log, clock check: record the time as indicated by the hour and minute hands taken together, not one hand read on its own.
9:55
